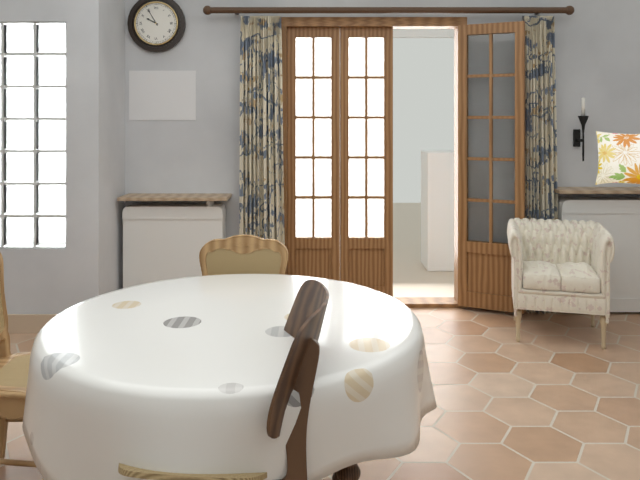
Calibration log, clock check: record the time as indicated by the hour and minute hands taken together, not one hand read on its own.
9:55
